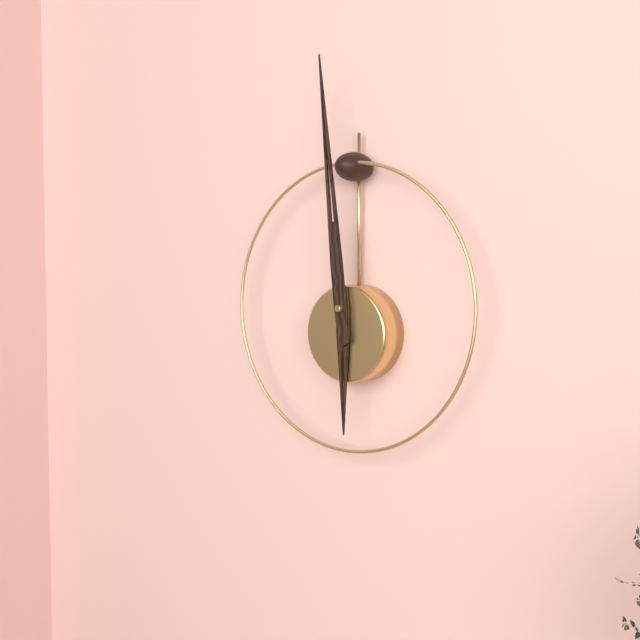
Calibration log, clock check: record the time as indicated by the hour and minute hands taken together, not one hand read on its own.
5:59
